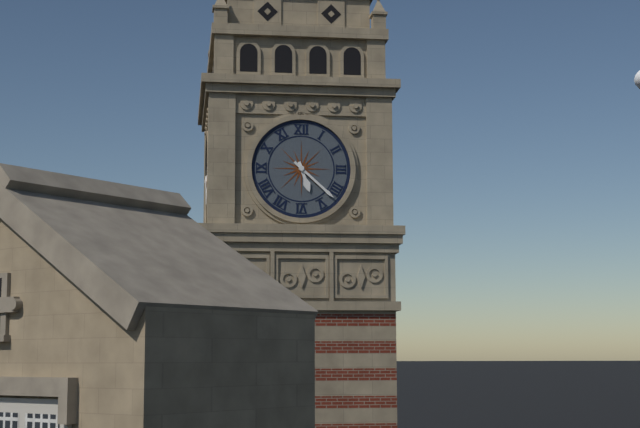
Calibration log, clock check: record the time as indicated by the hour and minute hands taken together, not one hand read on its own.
5:22
